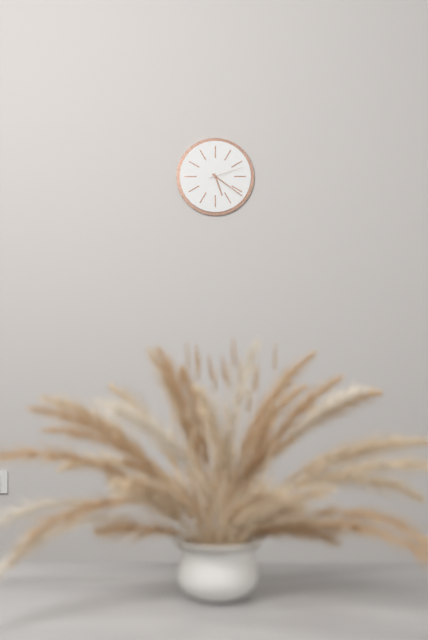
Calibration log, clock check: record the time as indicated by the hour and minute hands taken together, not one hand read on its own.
5:21
